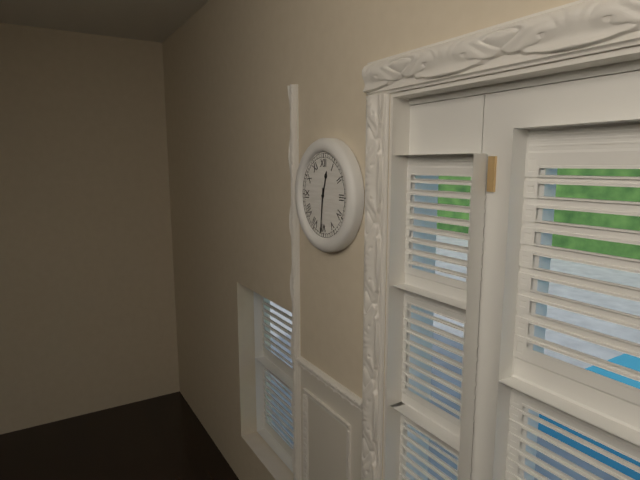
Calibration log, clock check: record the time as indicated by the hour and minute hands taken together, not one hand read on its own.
12:31
